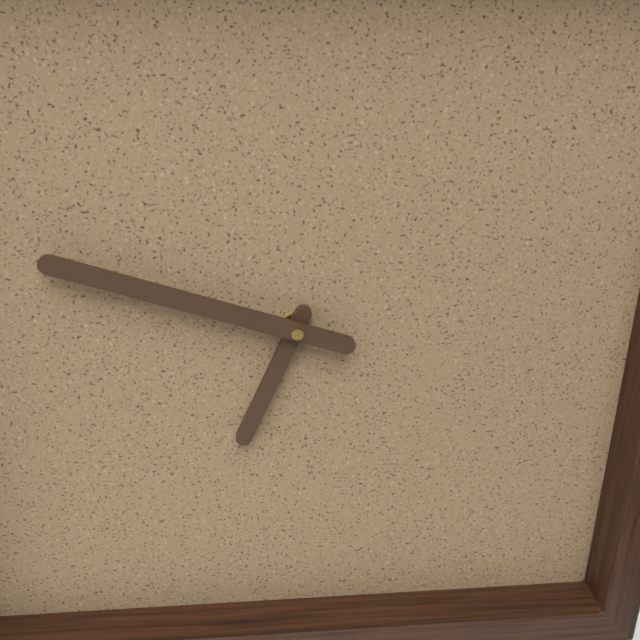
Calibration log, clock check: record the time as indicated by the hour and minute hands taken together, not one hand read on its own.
6:48
